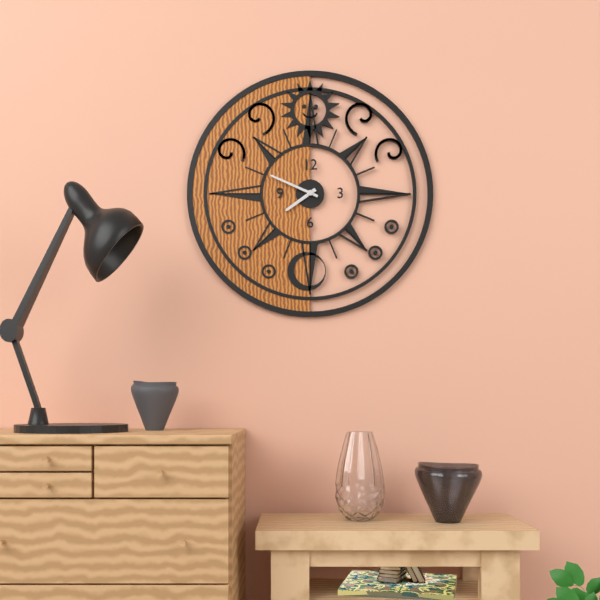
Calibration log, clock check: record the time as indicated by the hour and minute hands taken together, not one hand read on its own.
7:49
